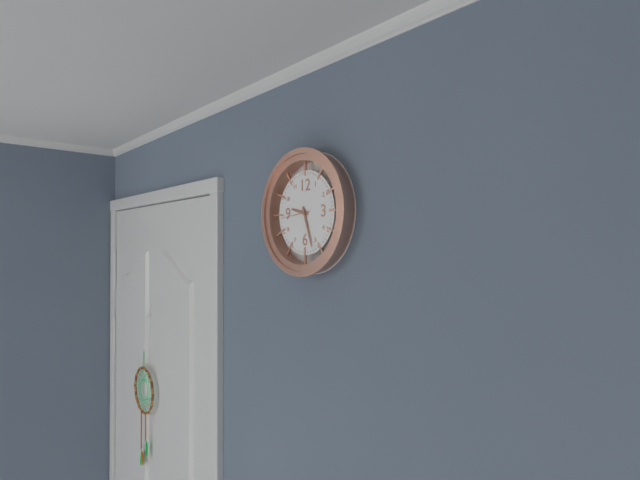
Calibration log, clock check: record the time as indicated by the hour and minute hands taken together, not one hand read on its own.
9:27
